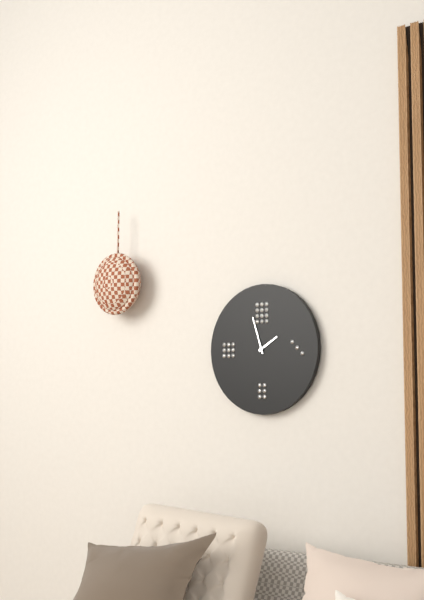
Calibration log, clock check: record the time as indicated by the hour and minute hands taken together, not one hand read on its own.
1:57
